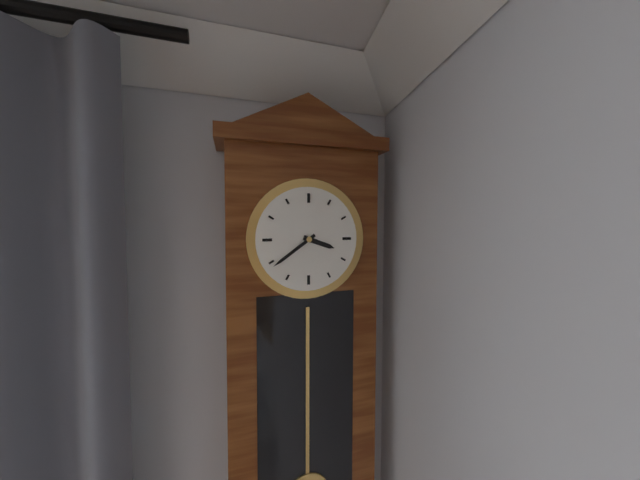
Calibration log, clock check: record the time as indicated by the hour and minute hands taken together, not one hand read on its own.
3:39
